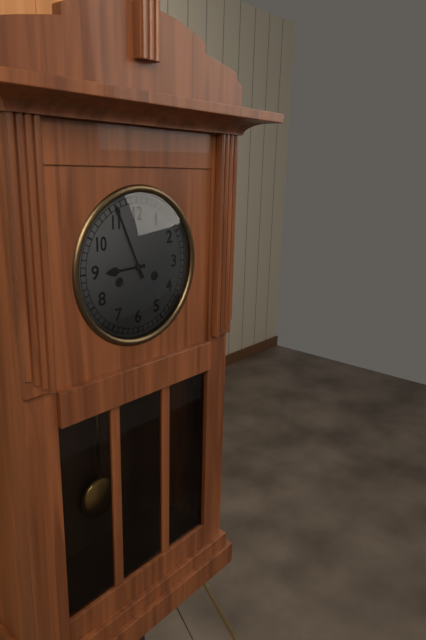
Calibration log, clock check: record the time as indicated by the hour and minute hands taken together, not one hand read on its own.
8:56
